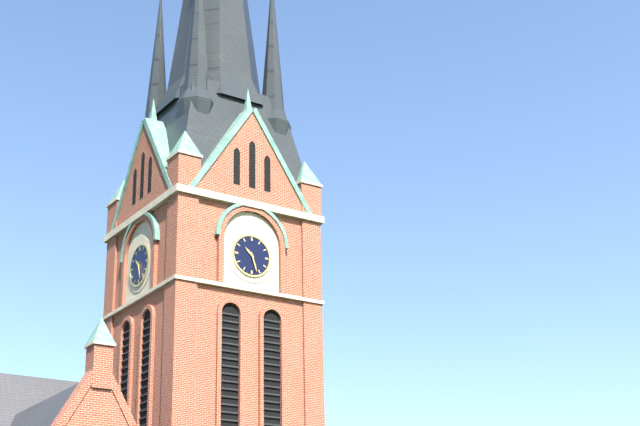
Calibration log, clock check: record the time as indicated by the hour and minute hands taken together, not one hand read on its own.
10:27
